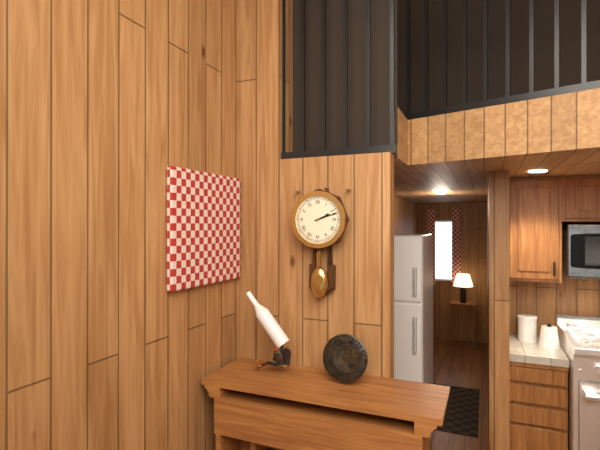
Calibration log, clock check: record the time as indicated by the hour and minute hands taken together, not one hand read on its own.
2:12
